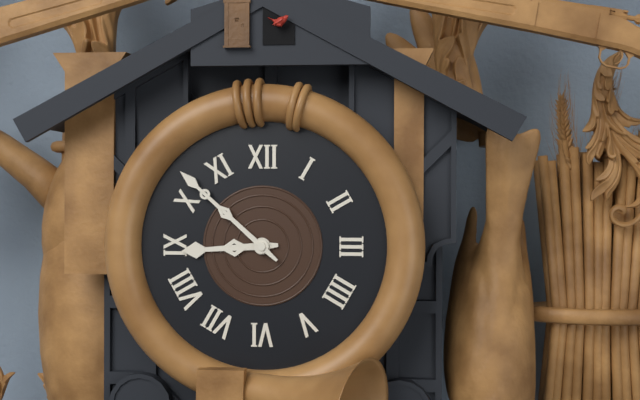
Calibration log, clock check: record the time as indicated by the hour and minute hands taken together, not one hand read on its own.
8:52
